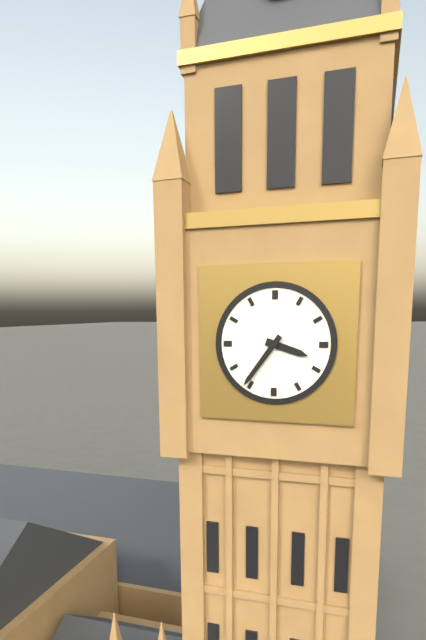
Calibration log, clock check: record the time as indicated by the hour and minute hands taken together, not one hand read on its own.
3:36
